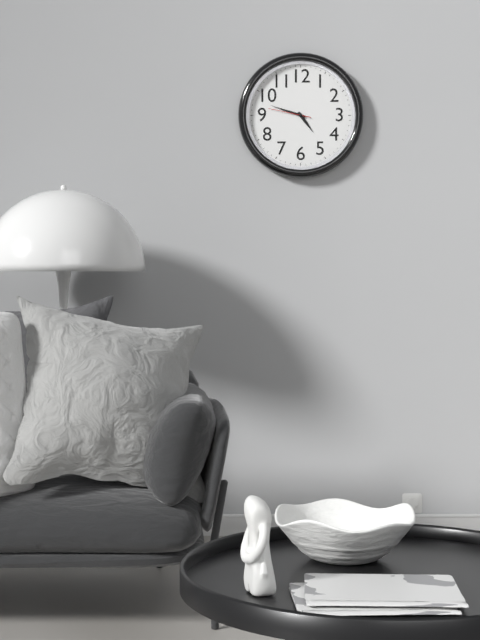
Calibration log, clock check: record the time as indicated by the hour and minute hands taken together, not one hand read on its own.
4:48
